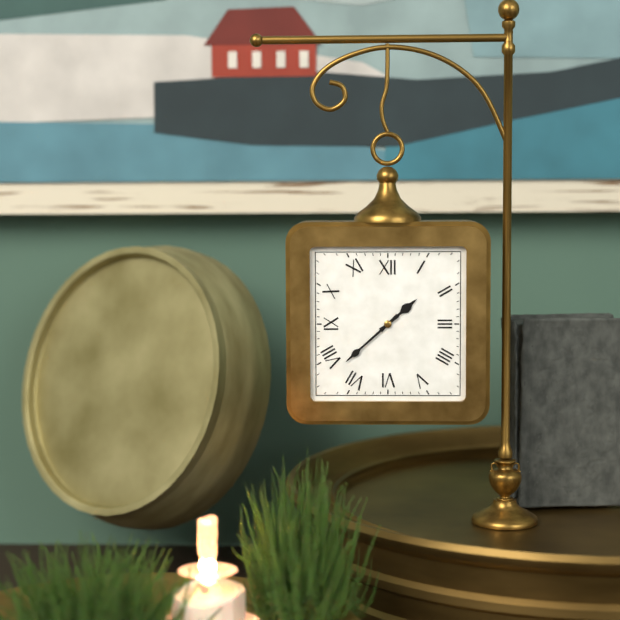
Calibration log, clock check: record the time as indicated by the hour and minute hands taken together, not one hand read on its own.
1:38
